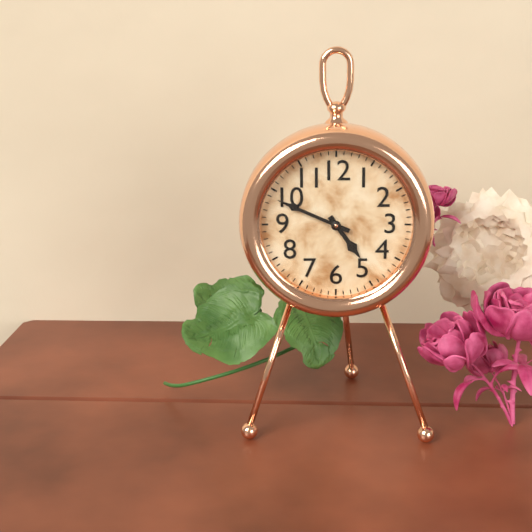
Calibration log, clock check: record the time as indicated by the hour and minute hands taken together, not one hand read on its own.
4:49
